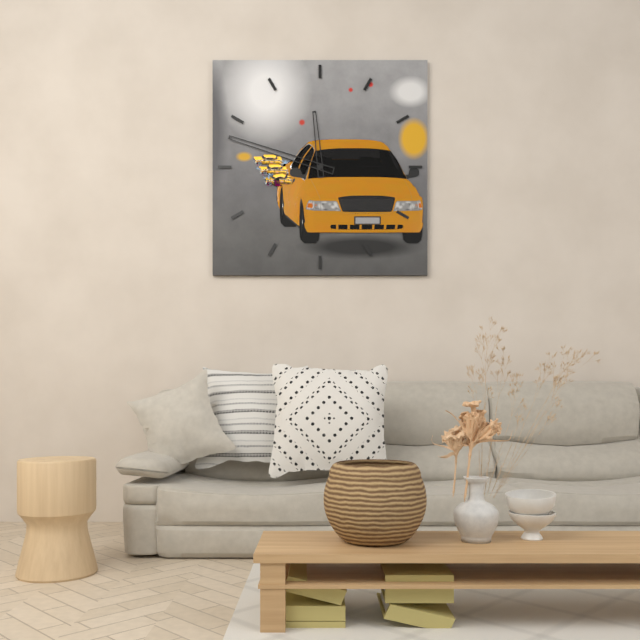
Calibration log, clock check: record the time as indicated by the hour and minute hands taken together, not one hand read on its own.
11:48
